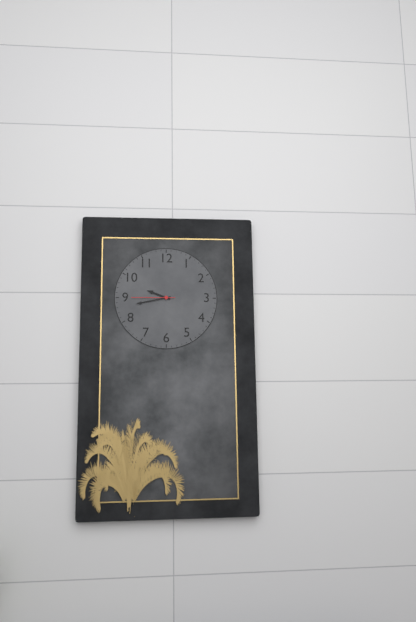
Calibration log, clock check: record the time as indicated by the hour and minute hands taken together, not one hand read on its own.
9:43
